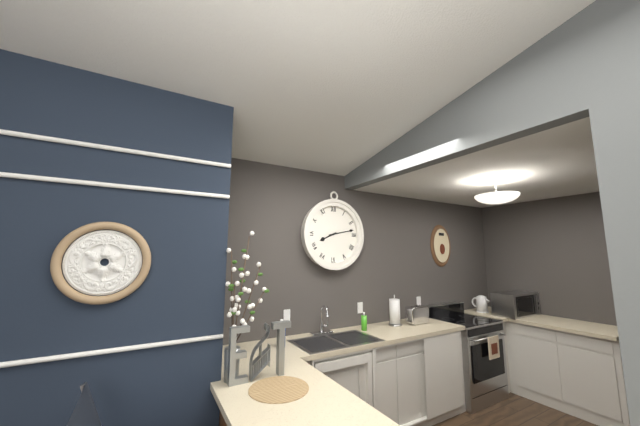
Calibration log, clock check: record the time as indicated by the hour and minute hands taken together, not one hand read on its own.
8:13
